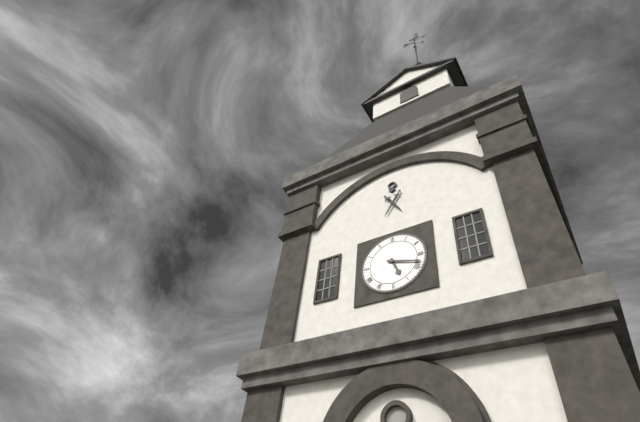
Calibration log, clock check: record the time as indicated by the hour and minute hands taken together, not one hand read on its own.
5:18
